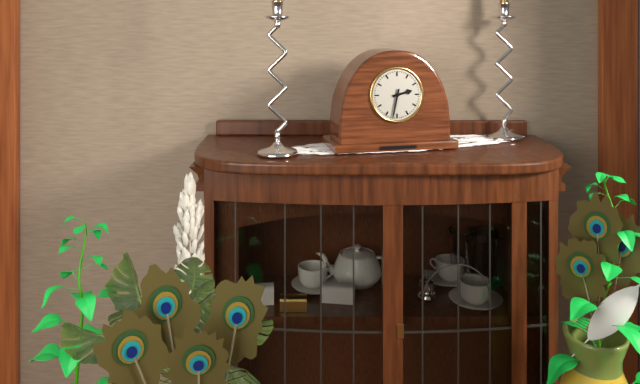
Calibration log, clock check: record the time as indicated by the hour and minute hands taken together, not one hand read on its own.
2:32
